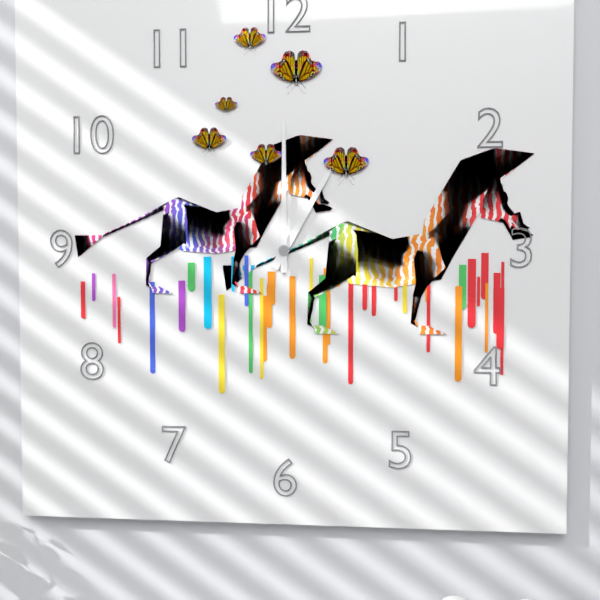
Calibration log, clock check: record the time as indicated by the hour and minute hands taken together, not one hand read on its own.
1:00
